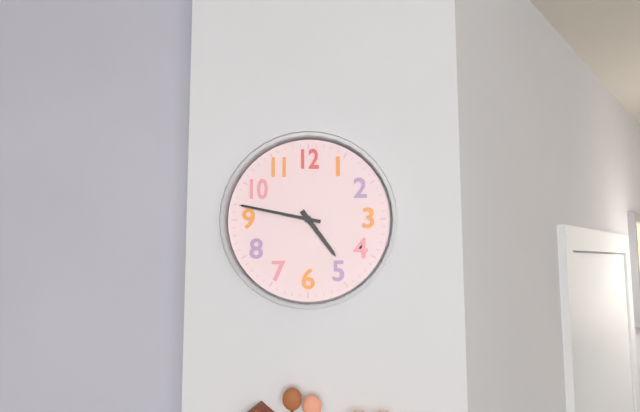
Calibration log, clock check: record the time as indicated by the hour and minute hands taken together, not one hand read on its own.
4:47
